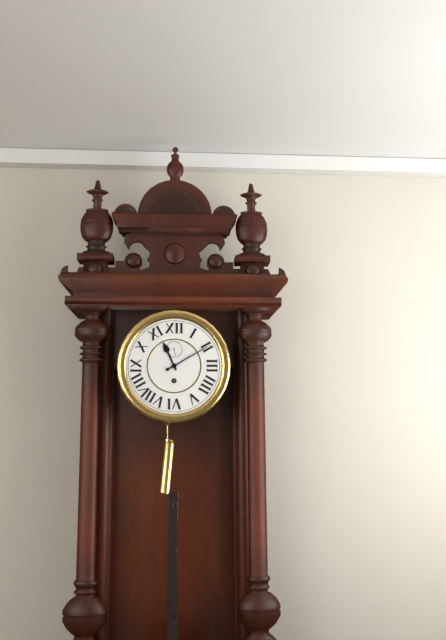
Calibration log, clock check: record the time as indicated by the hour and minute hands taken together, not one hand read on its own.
11:10
